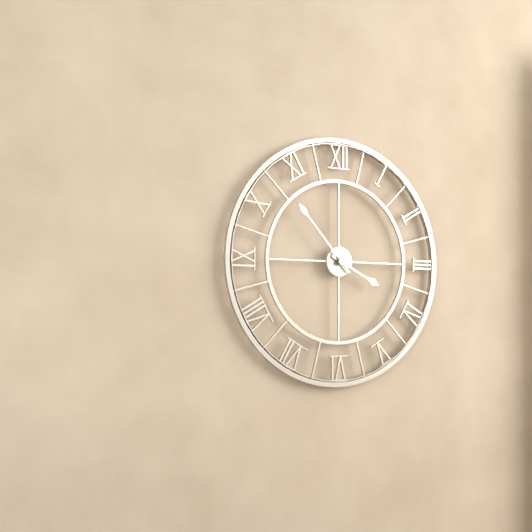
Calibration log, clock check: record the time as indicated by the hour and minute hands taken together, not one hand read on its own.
3:53
